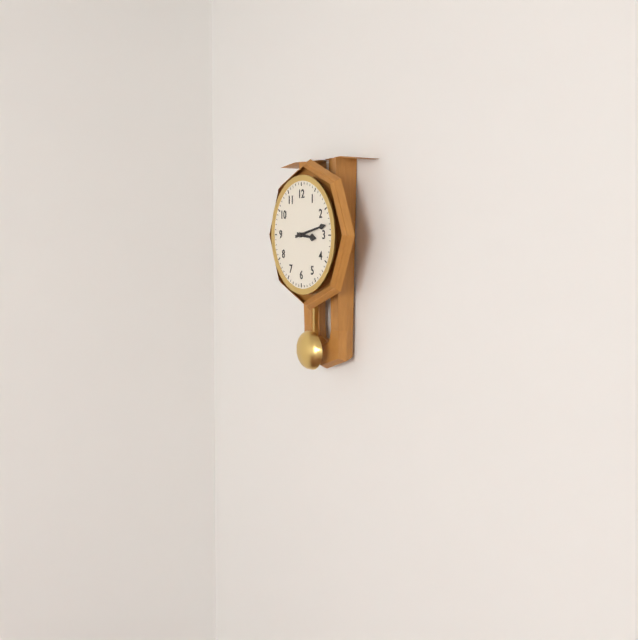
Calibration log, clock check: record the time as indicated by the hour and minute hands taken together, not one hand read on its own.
3:13
